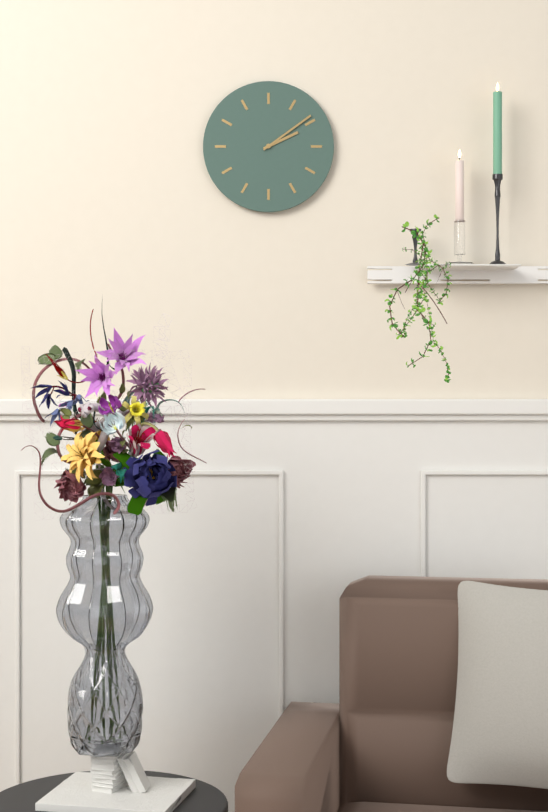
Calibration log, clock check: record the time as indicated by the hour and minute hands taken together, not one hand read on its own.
2:09
